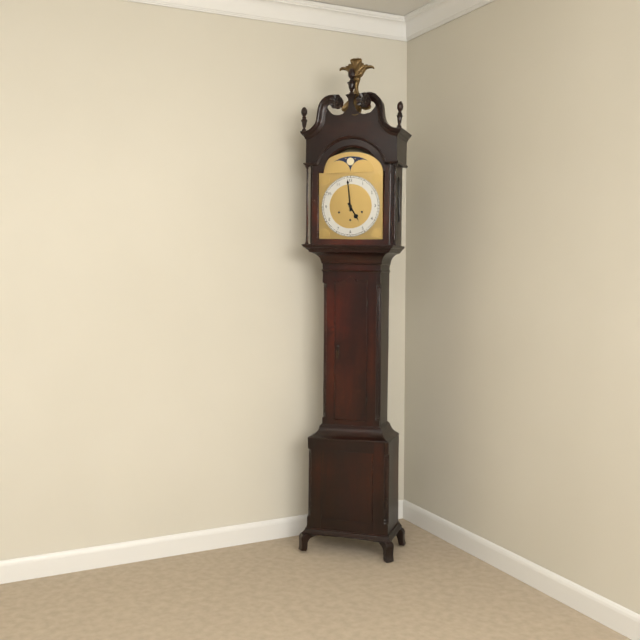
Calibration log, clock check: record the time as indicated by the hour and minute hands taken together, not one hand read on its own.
4:59
